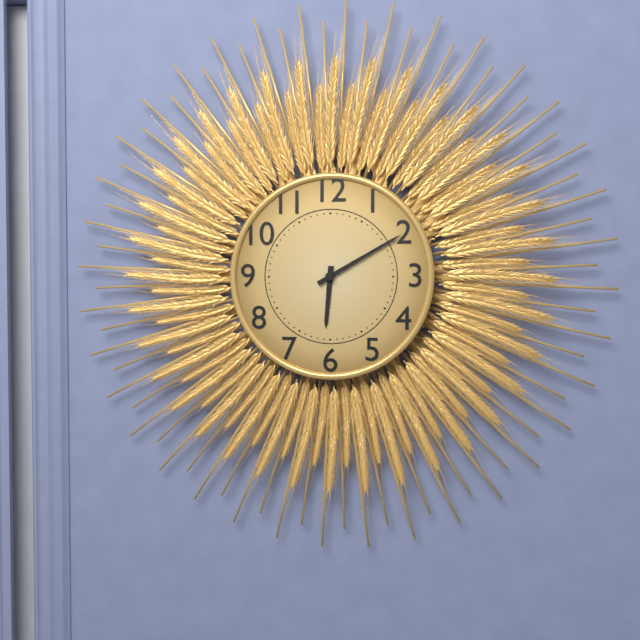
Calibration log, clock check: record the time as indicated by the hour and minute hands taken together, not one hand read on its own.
6:10
